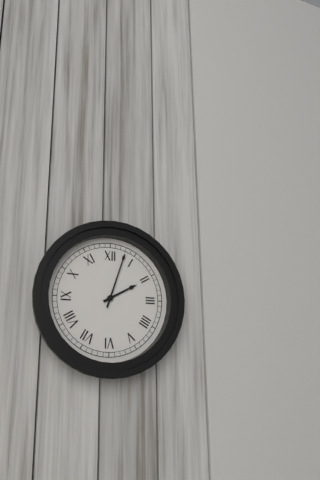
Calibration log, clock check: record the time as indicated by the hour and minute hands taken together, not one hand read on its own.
2:03
